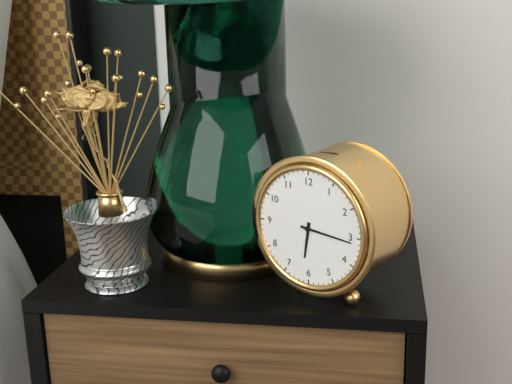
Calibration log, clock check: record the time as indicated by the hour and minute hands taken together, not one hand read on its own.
6:16
